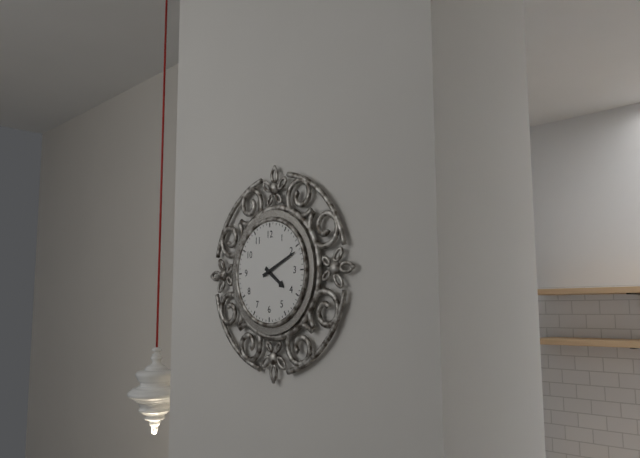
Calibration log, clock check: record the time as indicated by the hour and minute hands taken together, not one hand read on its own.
4:11
